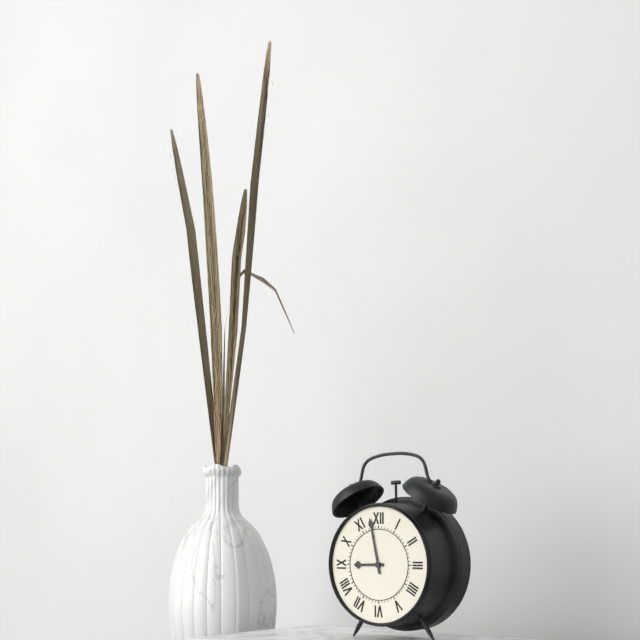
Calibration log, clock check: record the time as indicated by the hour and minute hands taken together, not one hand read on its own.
8:58
